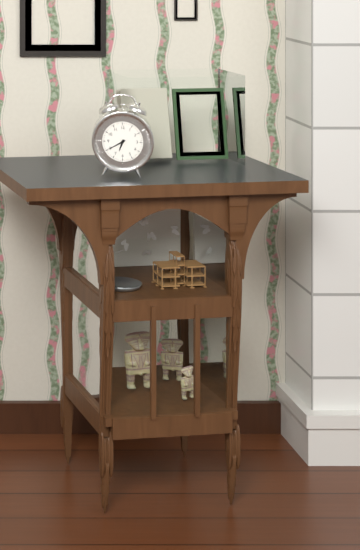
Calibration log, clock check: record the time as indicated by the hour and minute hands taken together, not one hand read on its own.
6:40
